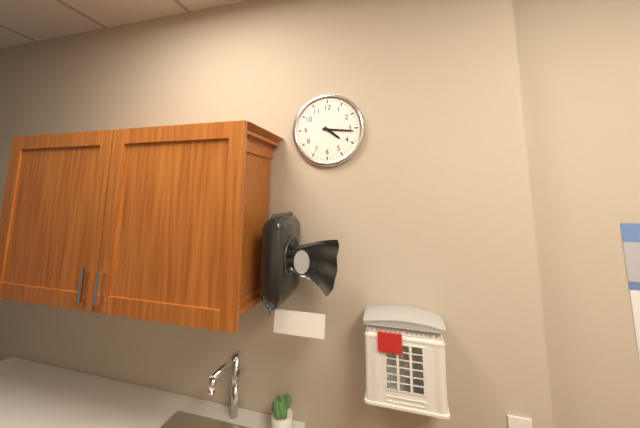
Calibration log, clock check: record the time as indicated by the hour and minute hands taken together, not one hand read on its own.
4:16
